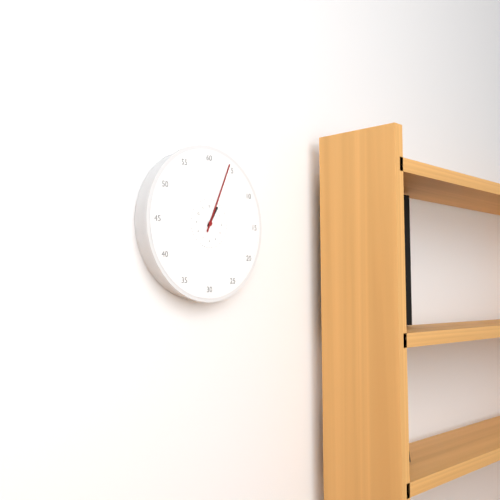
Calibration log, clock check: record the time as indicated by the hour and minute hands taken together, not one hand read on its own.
1:04
